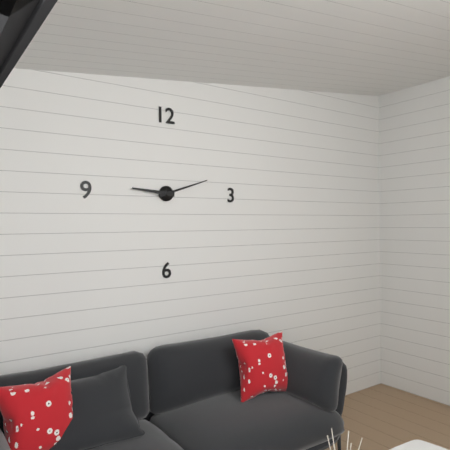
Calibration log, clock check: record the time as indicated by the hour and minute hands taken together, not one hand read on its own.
9:12
